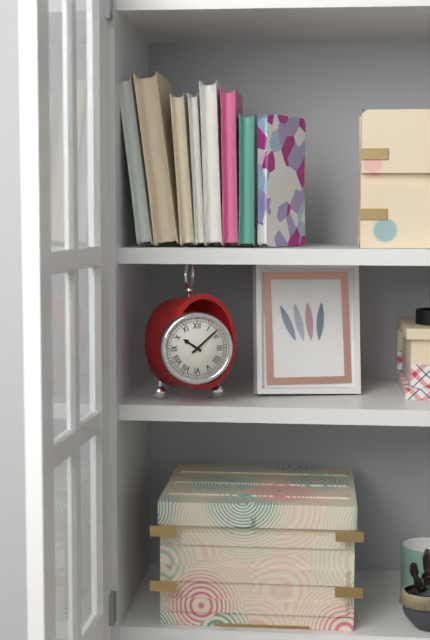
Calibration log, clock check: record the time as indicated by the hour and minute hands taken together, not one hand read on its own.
10:08
